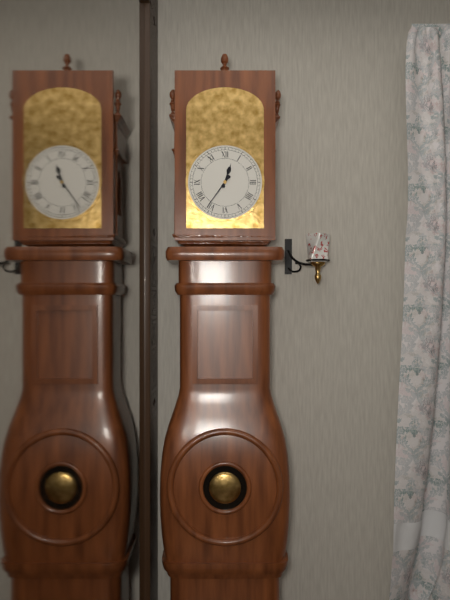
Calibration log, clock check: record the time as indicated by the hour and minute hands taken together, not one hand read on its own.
12:36
